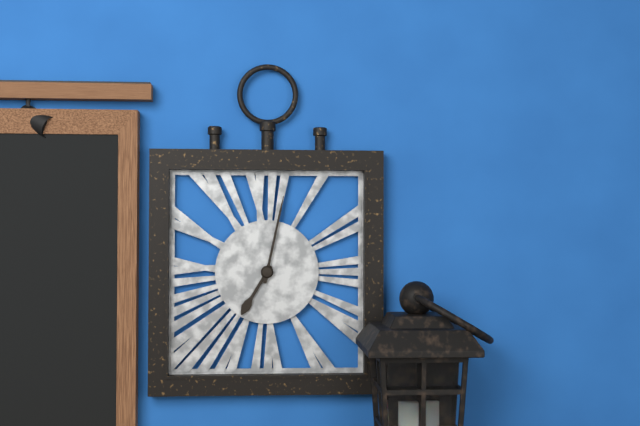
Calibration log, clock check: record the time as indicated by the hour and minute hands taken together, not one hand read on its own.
7:02
